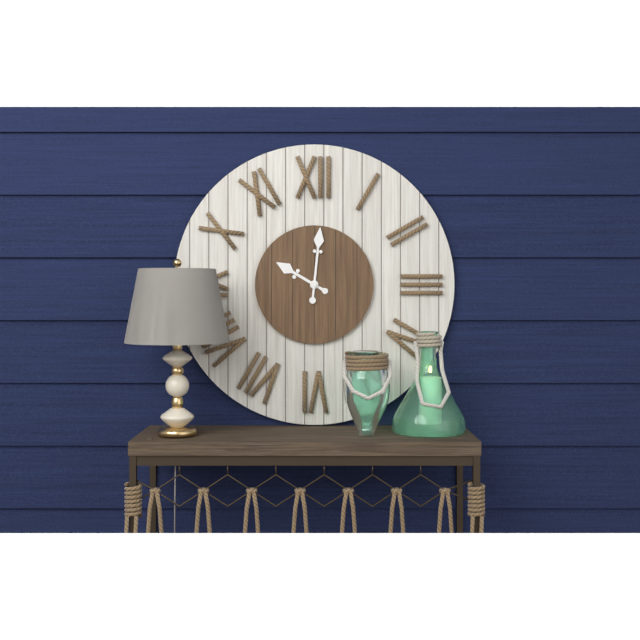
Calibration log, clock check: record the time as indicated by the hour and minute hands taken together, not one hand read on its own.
10:01
